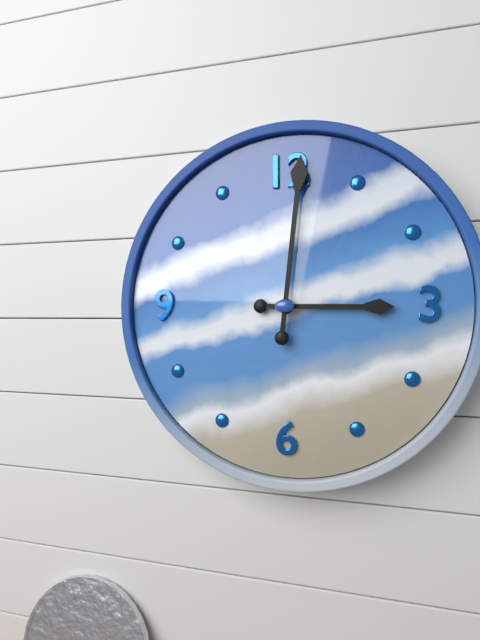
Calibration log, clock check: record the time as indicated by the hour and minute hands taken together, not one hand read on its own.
3:01
